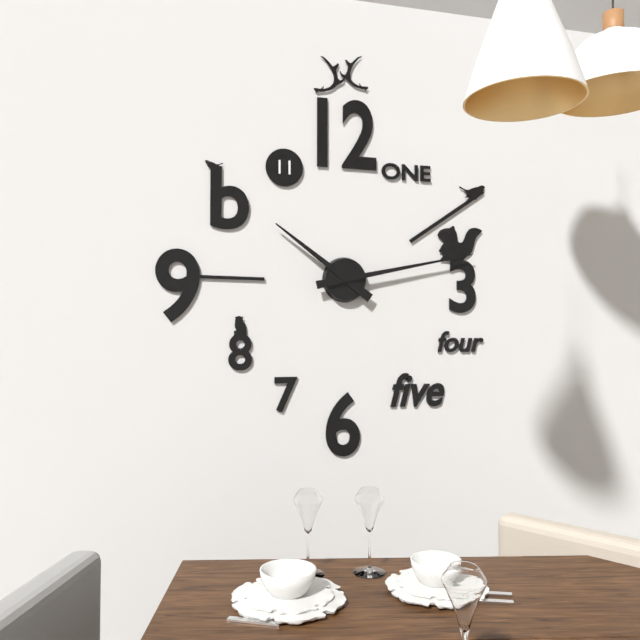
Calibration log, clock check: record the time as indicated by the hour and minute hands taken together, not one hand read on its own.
10:13
